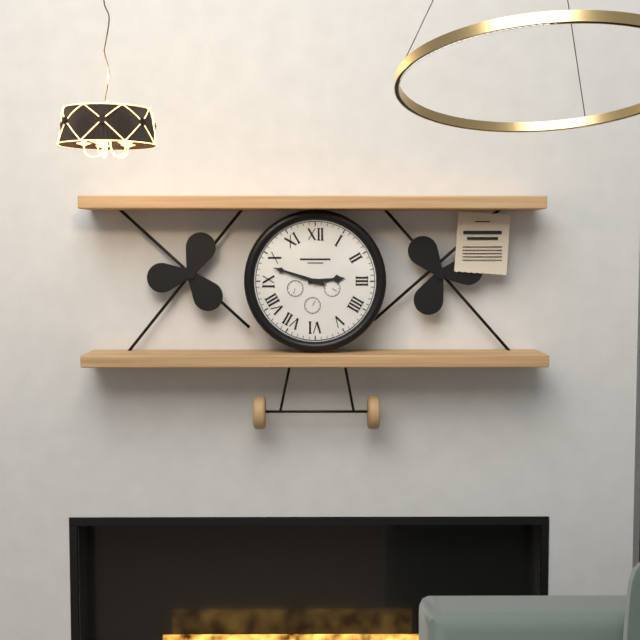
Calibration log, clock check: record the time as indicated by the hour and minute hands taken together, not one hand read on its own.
2:48
